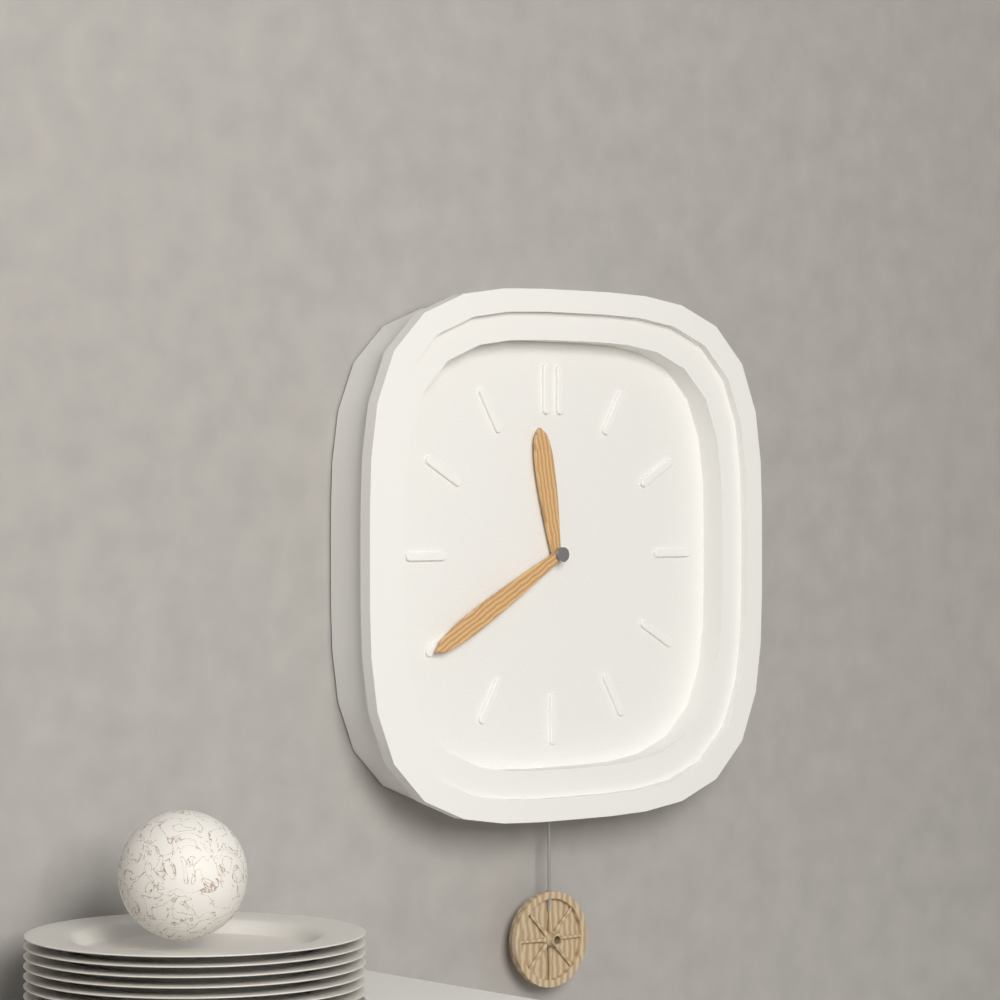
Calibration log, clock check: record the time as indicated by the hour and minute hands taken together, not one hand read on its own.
11:40
